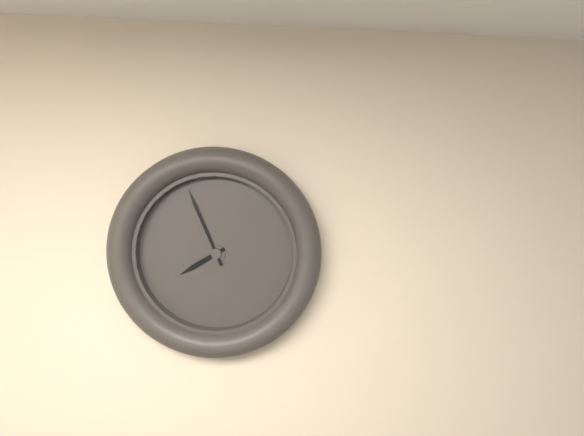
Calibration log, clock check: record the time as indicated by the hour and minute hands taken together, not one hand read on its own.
7:56
